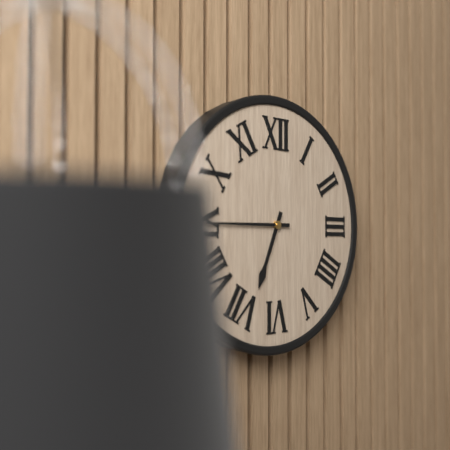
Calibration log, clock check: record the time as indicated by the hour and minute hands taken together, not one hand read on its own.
6:45
